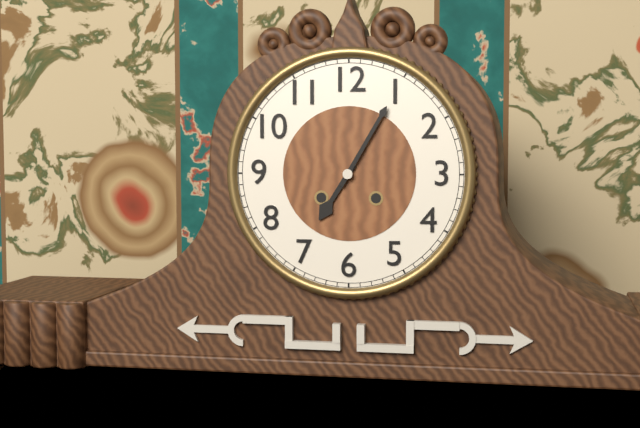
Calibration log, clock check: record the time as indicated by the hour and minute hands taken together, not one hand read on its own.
7:05
